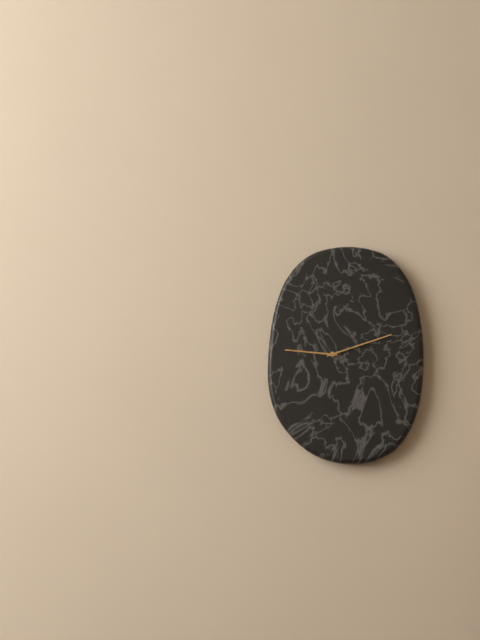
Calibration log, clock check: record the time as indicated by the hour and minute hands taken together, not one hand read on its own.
9:12
